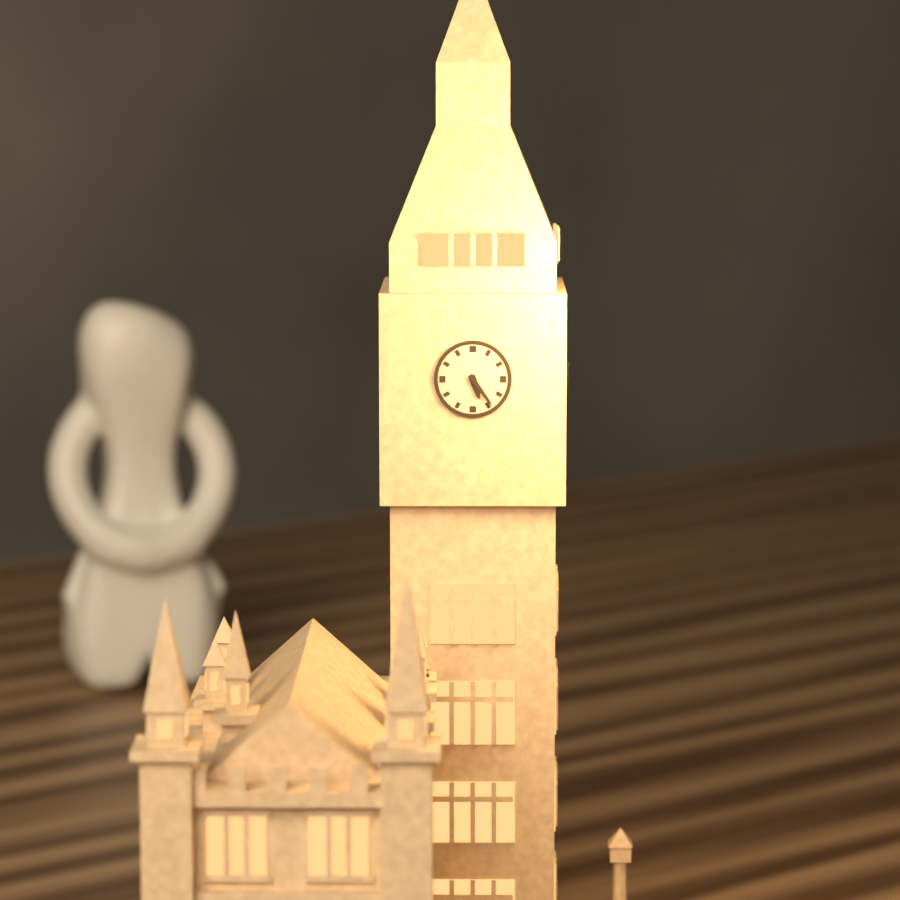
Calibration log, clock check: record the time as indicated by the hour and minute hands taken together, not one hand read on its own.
5:24
